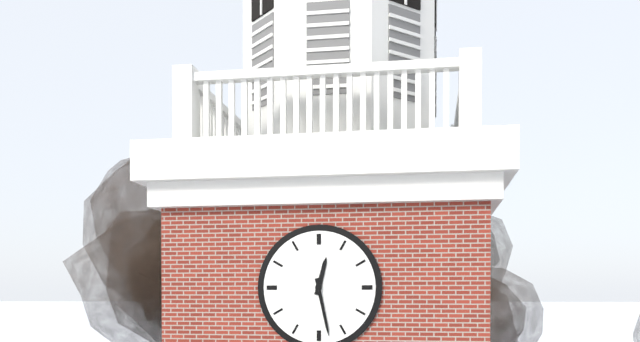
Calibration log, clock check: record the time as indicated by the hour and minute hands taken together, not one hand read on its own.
12:28
